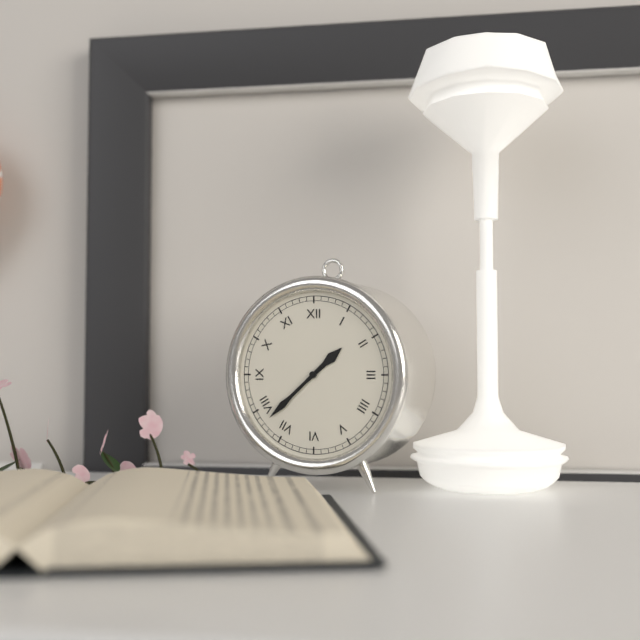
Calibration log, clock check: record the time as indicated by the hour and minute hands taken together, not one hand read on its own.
1:38
